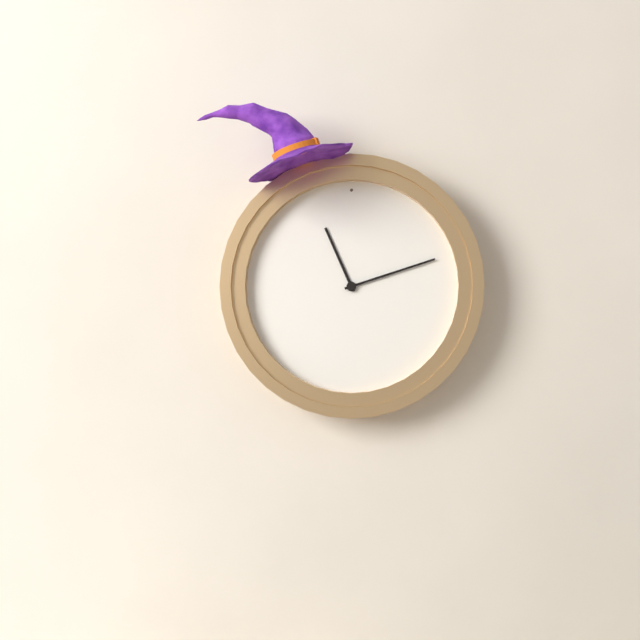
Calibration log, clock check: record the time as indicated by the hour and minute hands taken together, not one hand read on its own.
11:12
